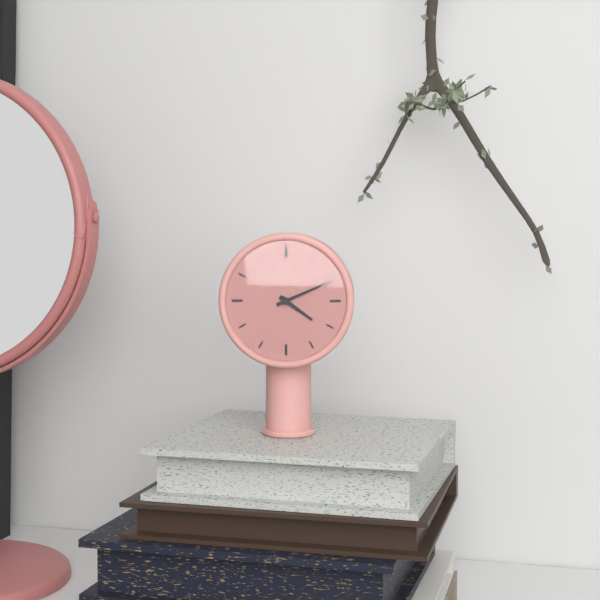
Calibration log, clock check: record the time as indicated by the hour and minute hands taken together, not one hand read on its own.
4:11
